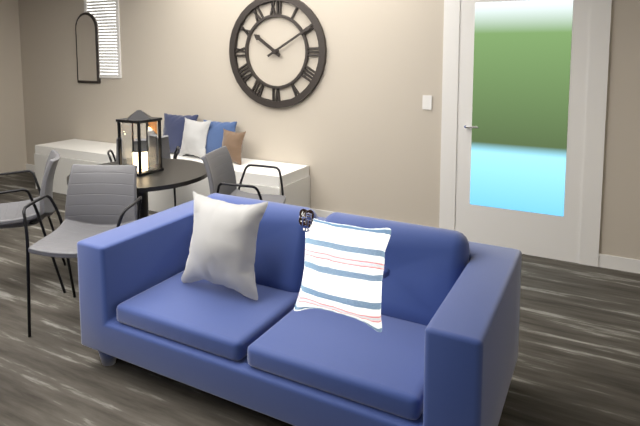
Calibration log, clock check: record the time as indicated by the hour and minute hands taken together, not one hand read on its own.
10:10
